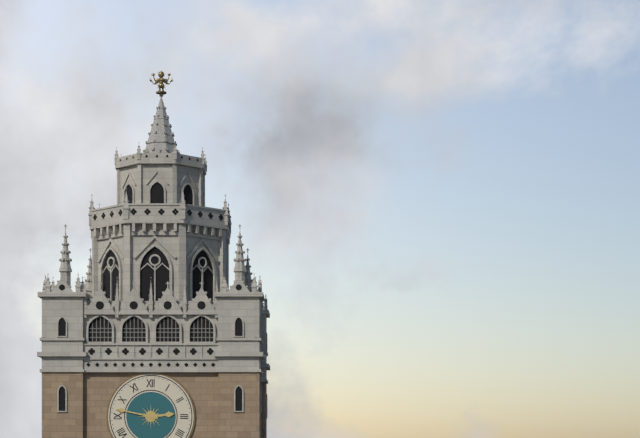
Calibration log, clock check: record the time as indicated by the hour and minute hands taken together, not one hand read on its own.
2:47
